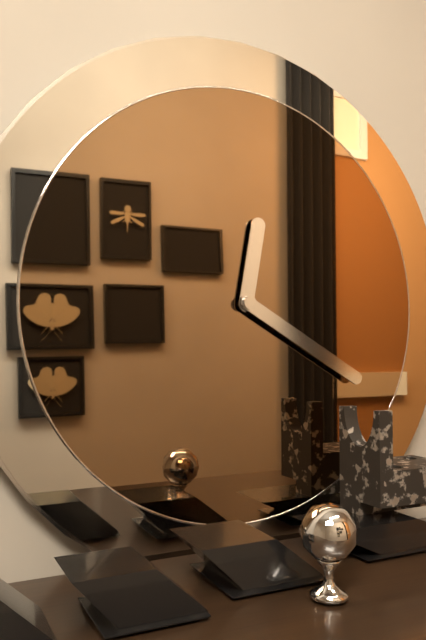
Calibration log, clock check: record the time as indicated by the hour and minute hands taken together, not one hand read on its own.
12:20
